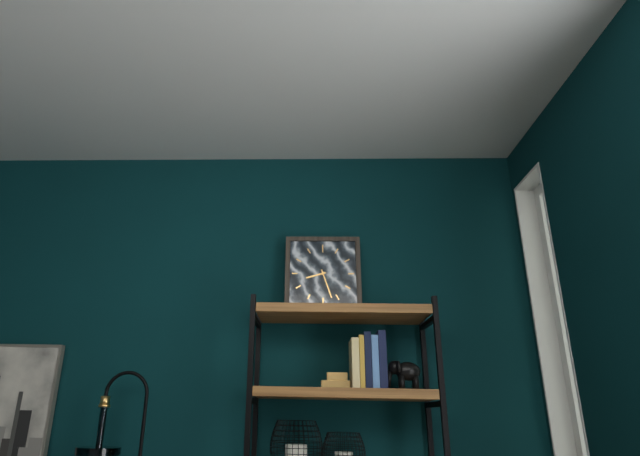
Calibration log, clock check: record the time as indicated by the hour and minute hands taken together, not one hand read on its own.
8:27
